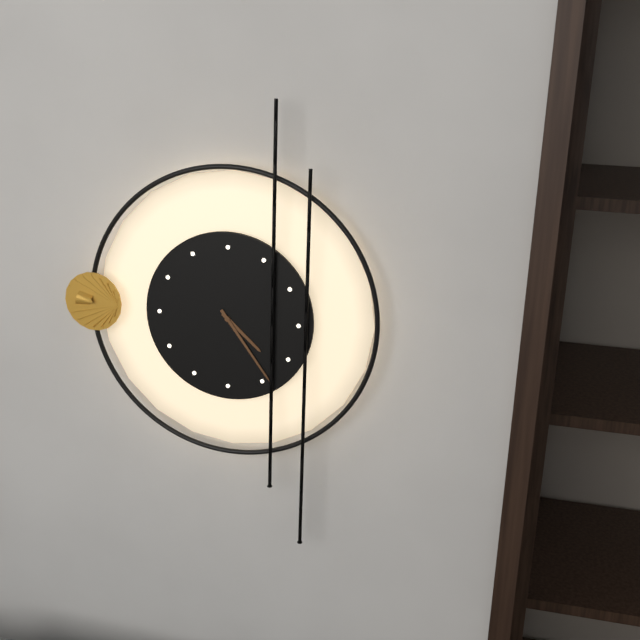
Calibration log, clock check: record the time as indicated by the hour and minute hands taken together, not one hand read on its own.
4:24
